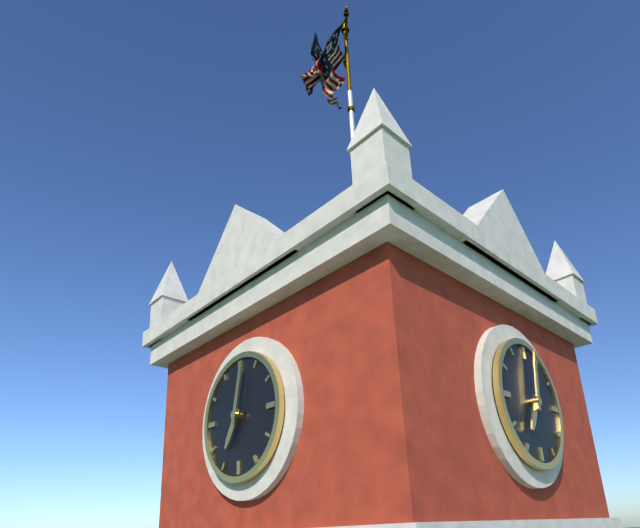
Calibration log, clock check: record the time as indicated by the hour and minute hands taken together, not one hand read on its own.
7:02
